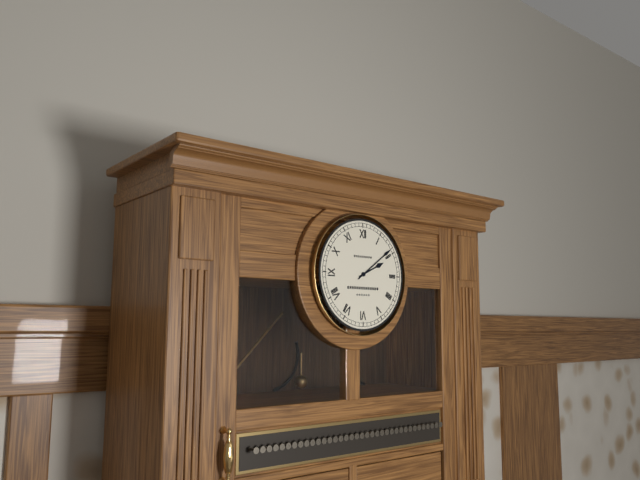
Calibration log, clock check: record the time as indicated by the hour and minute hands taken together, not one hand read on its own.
2:09
